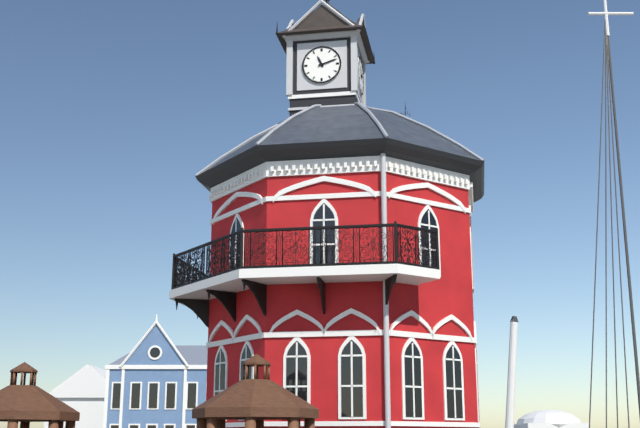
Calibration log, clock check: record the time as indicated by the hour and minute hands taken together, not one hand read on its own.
11:12
